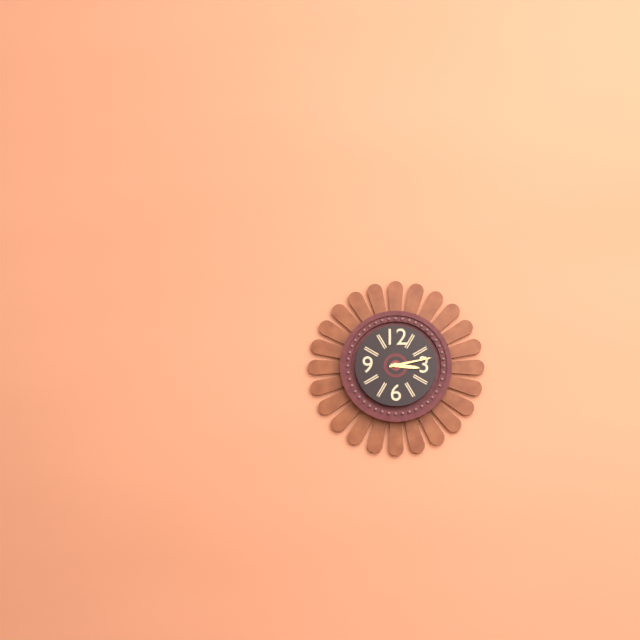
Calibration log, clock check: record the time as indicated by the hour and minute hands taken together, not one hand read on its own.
3:13
